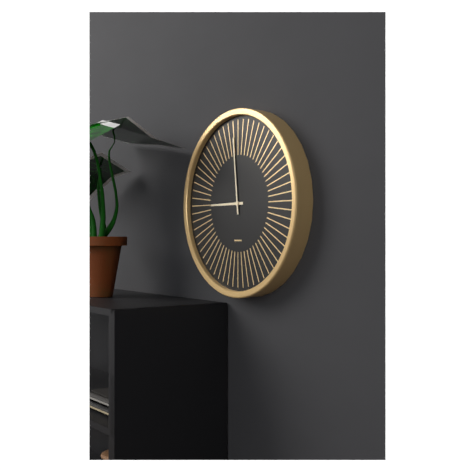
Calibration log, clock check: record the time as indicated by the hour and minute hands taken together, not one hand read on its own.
8:59
